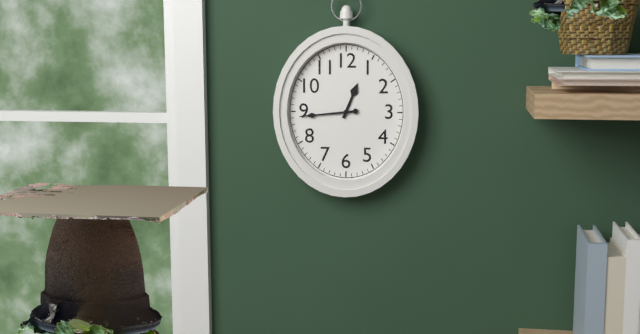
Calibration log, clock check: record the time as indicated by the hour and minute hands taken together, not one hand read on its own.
12:44
